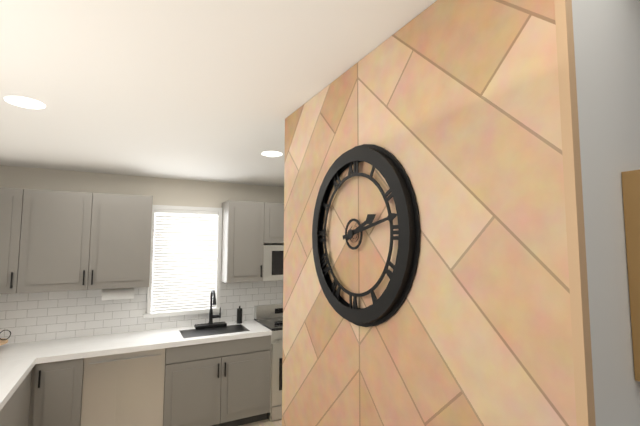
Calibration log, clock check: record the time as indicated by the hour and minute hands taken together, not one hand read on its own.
2:13
